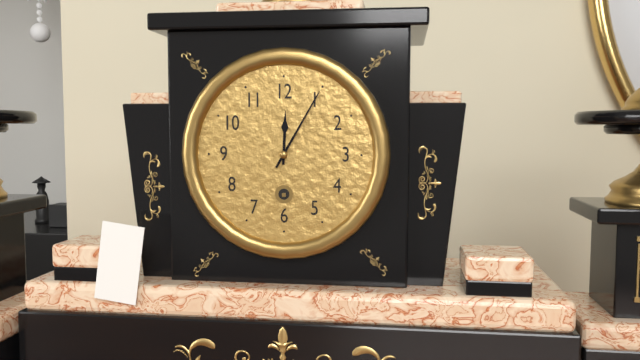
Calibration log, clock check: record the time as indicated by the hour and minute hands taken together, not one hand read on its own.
12:05
